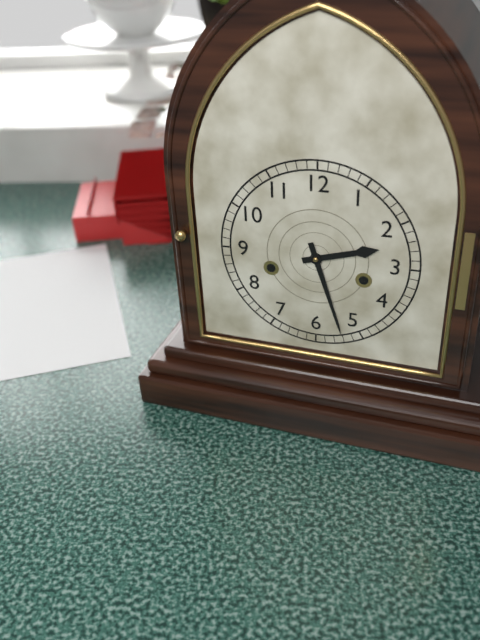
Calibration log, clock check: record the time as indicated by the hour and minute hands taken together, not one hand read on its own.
2:27
